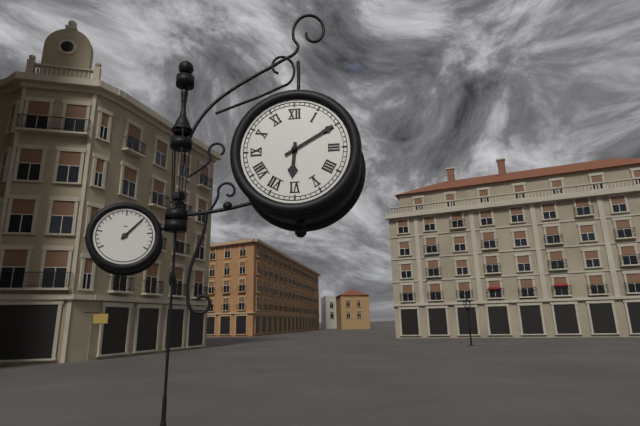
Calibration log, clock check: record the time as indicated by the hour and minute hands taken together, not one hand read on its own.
6:10
